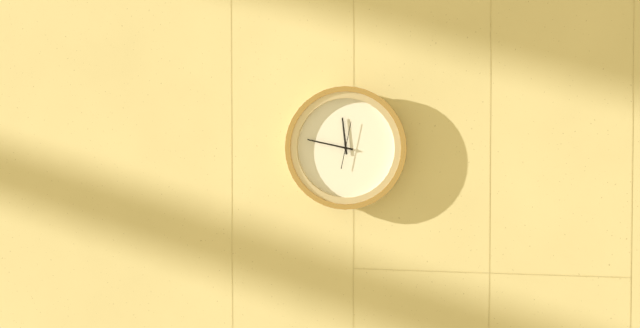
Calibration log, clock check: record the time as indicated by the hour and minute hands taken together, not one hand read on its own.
11:47
